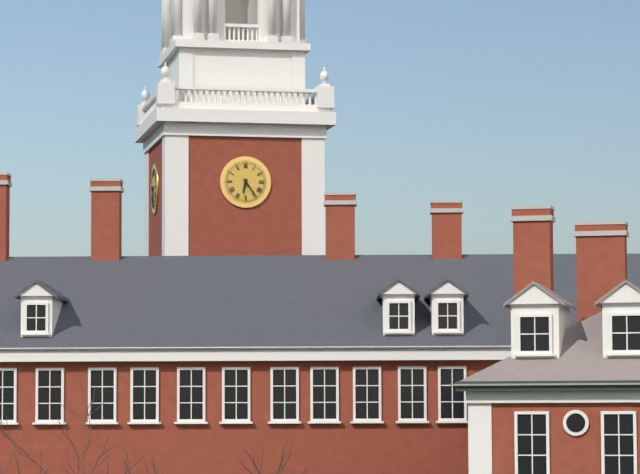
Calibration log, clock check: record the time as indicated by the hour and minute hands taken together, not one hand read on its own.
6:24
